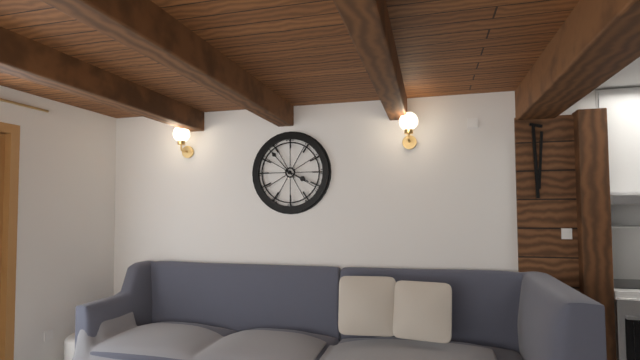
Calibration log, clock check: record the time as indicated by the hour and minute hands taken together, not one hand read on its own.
3:53
